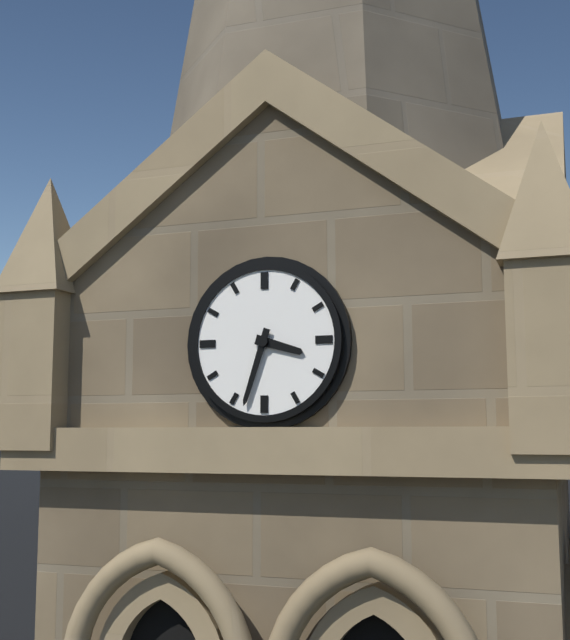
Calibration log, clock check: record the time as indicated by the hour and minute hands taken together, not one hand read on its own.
3:33
